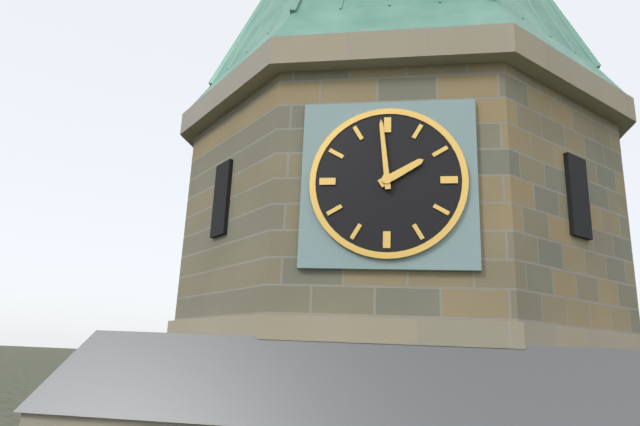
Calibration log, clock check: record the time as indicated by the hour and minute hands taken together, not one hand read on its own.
1:59
